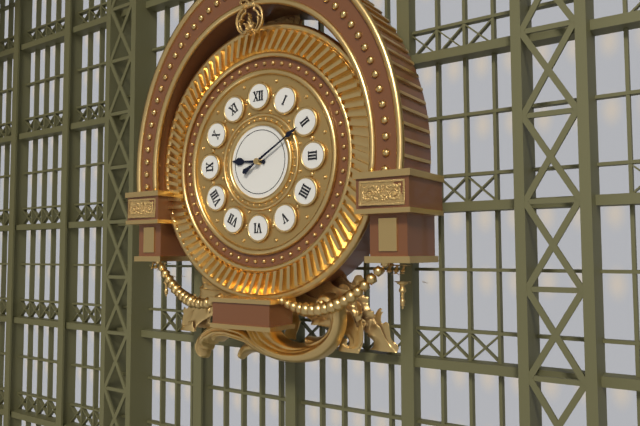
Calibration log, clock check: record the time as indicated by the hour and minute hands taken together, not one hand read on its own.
9:10
